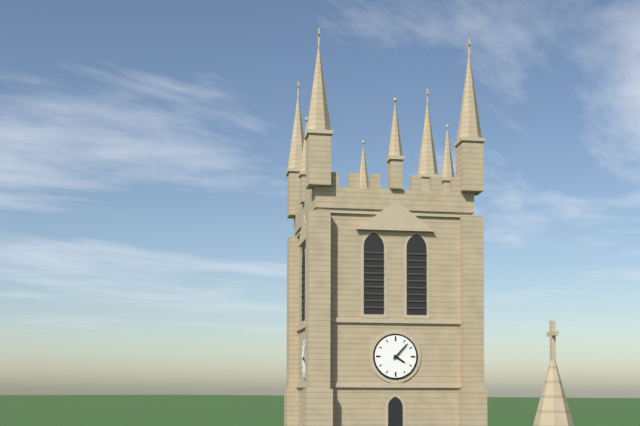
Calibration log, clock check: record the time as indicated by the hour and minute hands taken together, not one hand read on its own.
4:07
